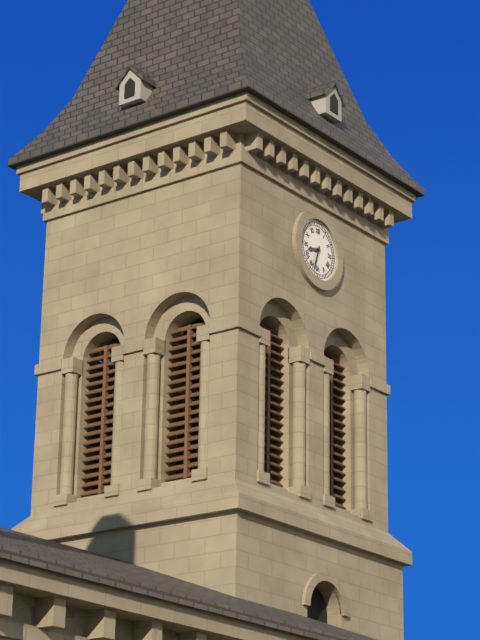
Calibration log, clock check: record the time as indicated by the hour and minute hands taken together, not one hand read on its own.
8:33
